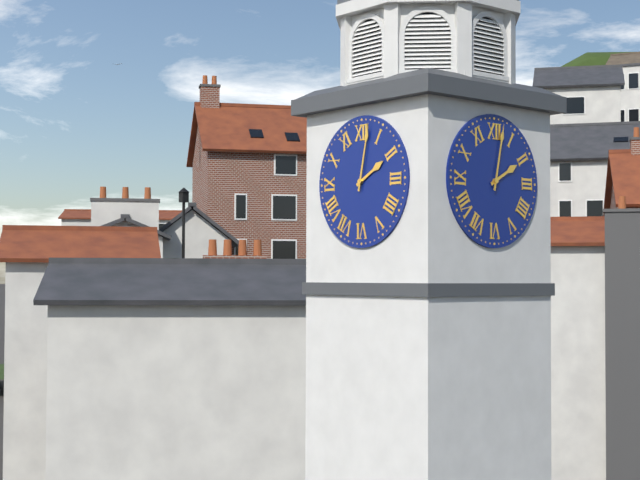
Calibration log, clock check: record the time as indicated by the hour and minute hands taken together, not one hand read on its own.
2:02
